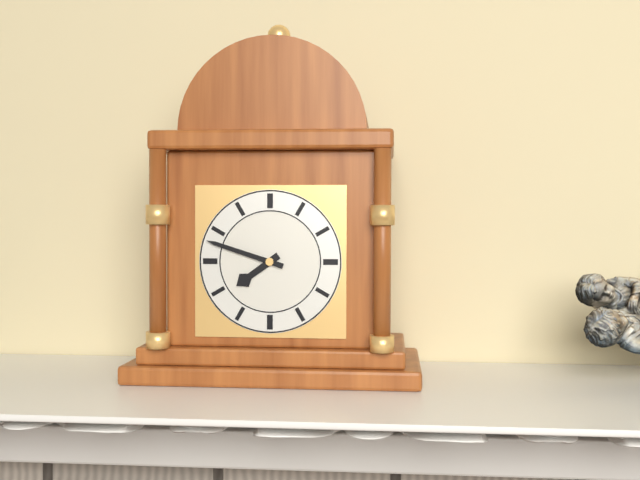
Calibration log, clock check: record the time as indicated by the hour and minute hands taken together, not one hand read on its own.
7:48
